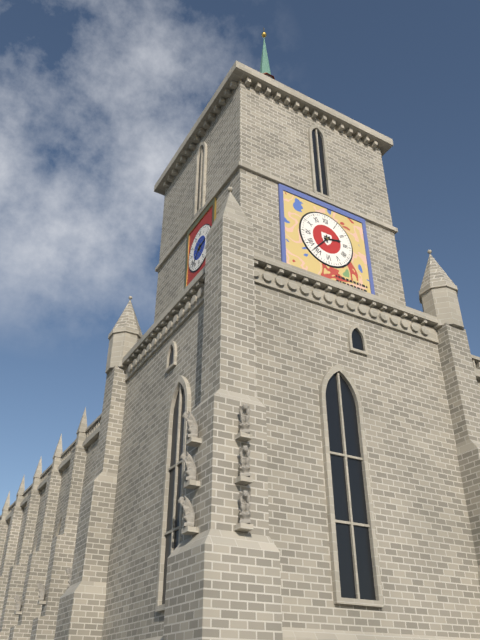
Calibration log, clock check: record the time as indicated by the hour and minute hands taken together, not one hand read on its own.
2:37
